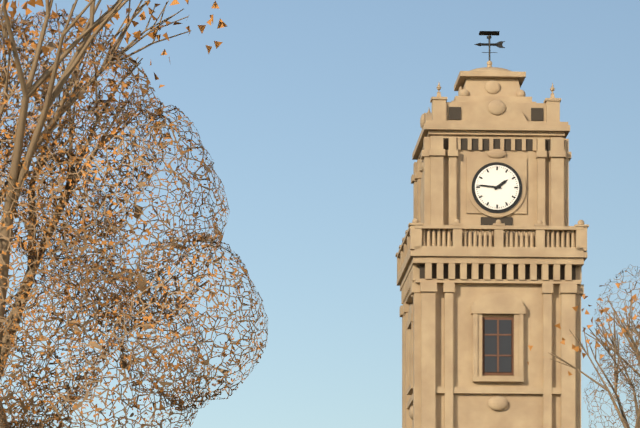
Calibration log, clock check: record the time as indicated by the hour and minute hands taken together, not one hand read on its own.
1:46
